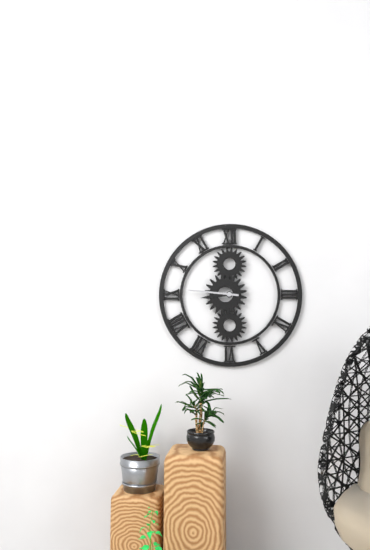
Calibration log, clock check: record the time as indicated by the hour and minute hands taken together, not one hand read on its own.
8:46
